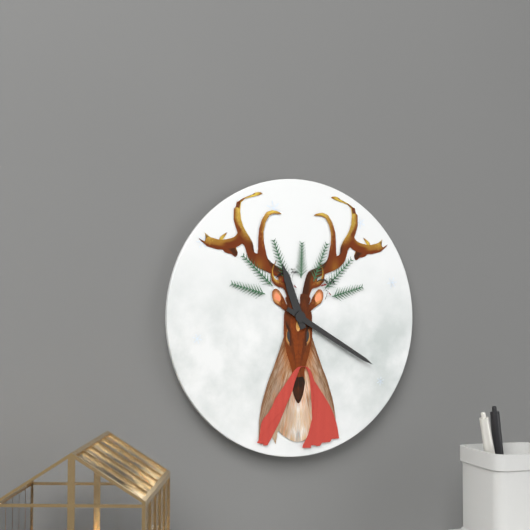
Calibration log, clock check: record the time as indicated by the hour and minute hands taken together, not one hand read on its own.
11:20
